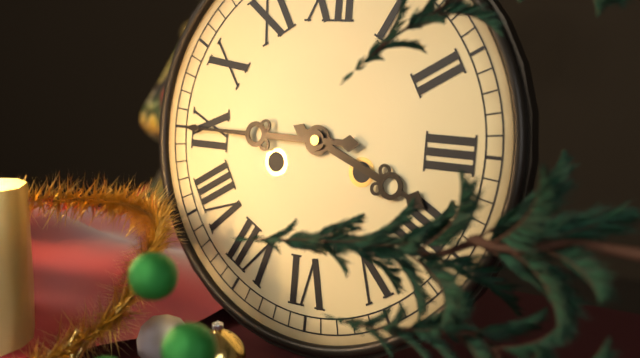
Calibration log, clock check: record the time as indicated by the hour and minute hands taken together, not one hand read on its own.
3:45
